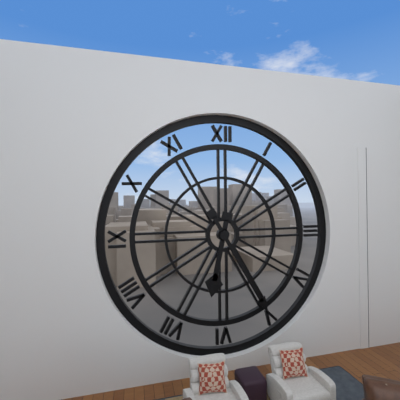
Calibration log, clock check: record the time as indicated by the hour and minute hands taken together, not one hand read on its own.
6:25
